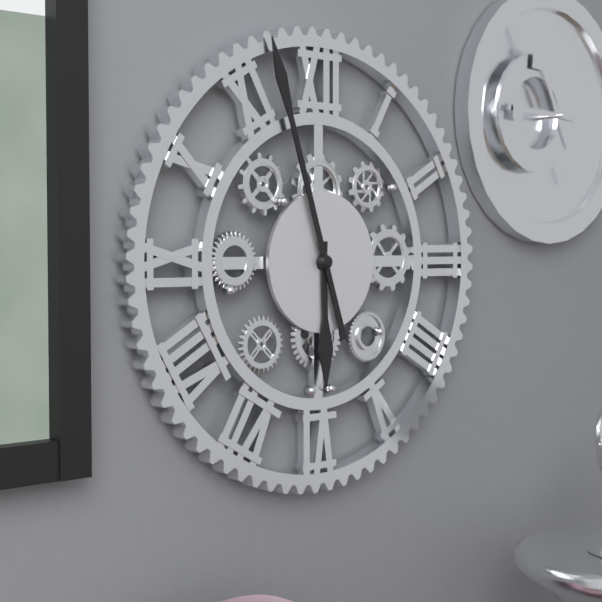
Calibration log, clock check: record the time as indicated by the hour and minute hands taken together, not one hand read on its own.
5:57
